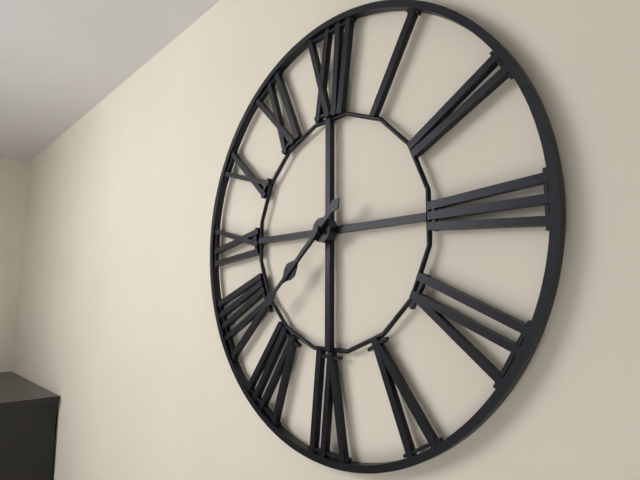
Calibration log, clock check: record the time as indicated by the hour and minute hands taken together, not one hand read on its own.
7:38
